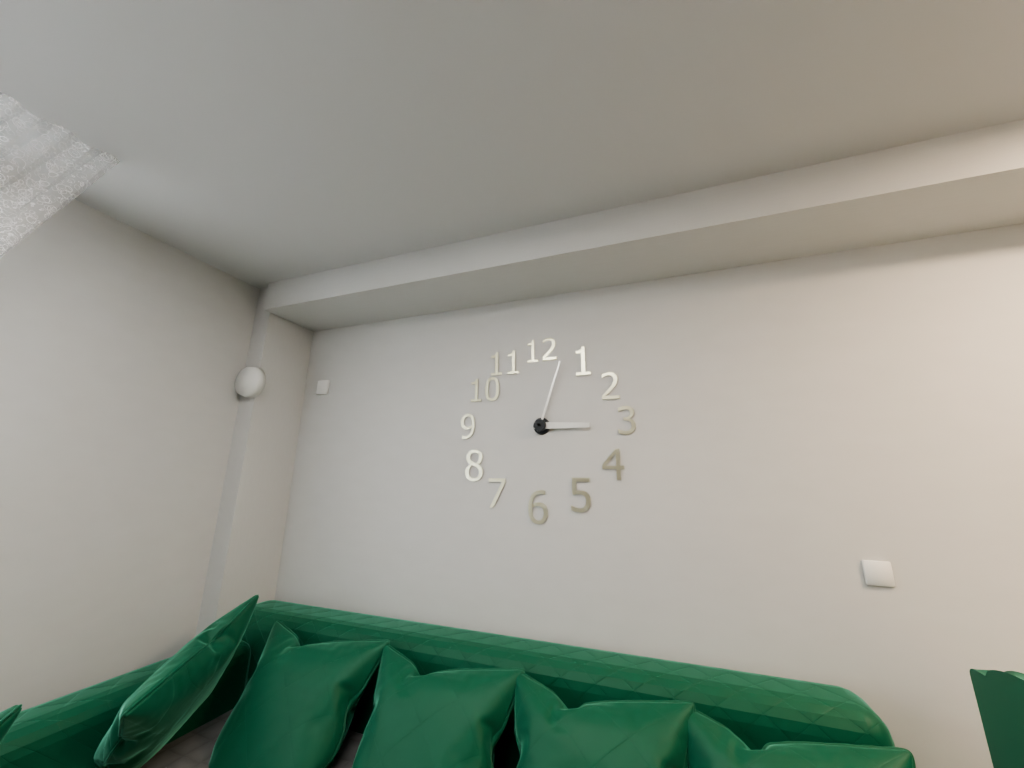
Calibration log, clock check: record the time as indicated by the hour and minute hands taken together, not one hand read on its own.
3:03
